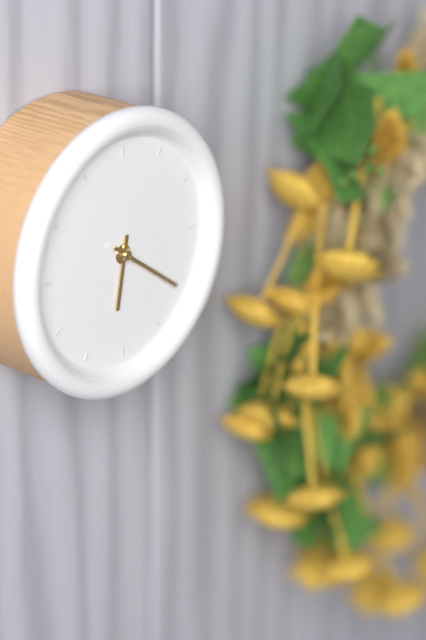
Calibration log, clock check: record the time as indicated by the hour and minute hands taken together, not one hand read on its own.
6:21
